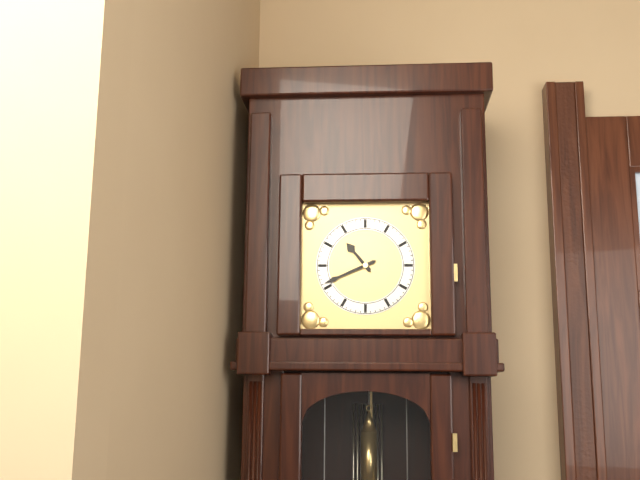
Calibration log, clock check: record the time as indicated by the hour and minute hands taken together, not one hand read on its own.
10:41
